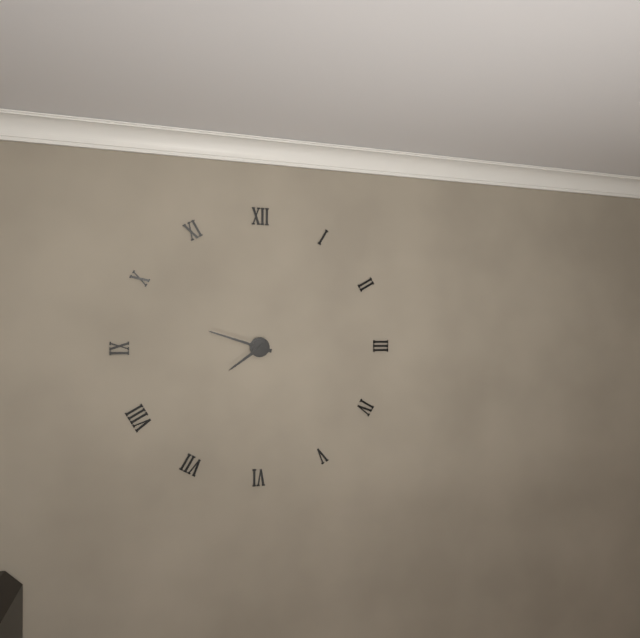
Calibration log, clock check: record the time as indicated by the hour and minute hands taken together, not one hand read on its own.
7:48
